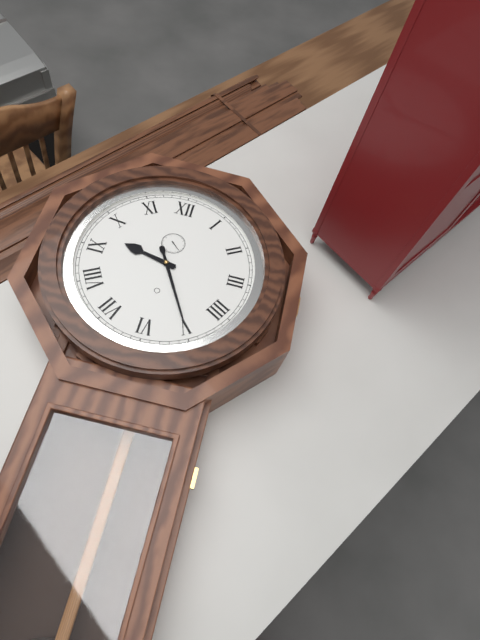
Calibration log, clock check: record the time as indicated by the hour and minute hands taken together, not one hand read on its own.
9:25
